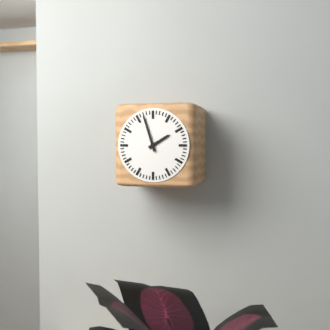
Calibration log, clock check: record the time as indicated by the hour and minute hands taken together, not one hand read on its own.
1:57
